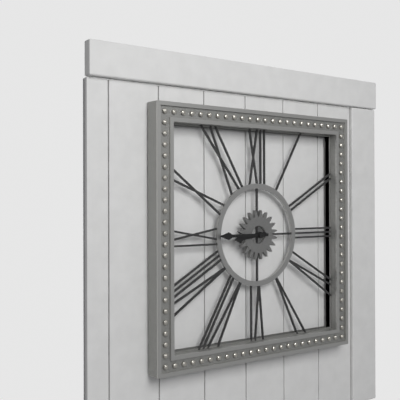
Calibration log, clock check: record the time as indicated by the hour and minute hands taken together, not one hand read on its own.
8:45
